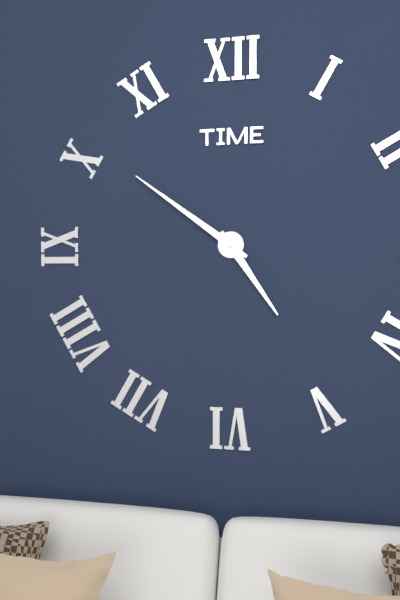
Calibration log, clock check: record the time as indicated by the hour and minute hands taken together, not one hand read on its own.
4:51
